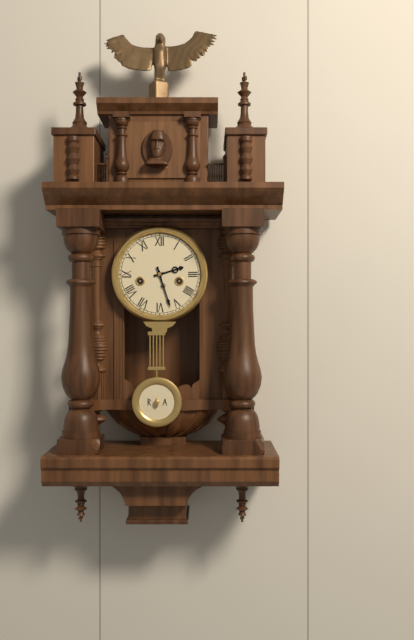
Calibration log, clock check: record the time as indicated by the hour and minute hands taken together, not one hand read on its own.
2:27
